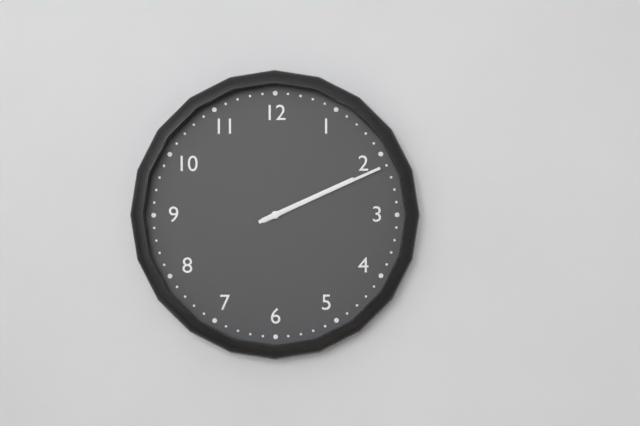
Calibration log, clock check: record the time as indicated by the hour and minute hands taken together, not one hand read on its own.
2:11
